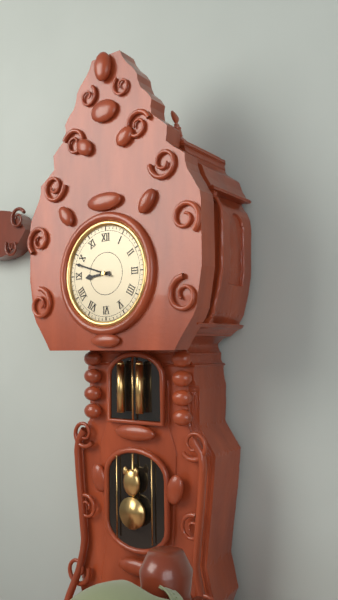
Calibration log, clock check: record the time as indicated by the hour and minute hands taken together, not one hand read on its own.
8:48
